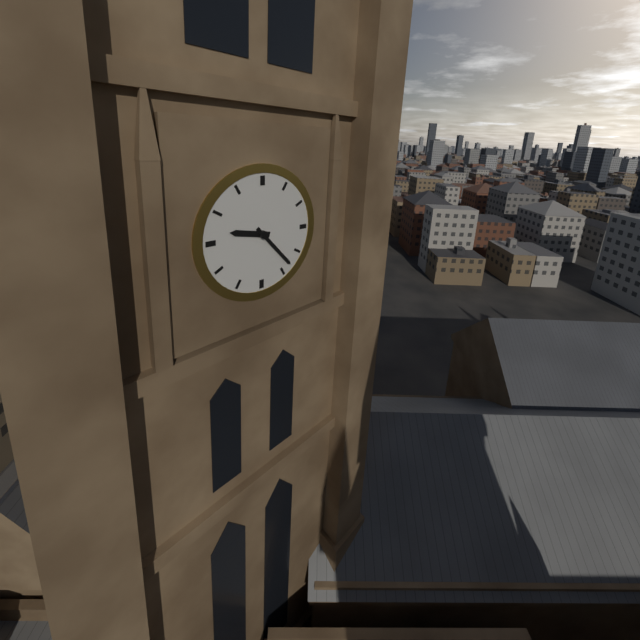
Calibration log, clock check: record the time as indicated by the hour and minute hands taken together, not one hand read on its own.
9:23
